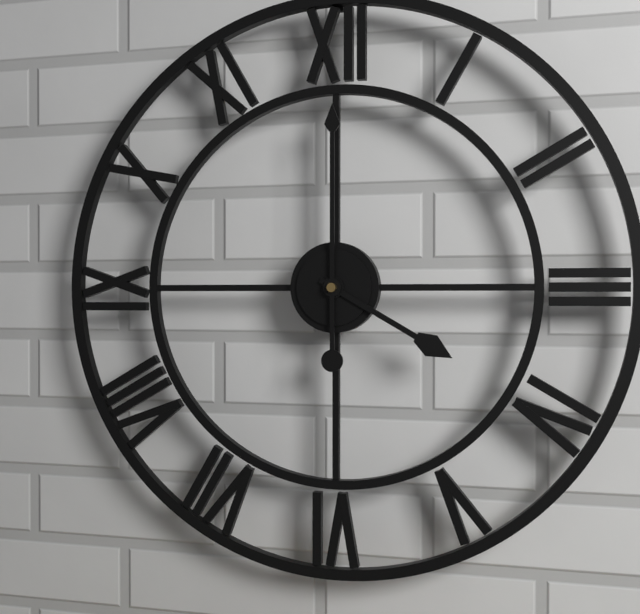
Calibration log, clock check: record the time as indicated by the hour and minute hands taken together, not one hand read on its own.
4:00
